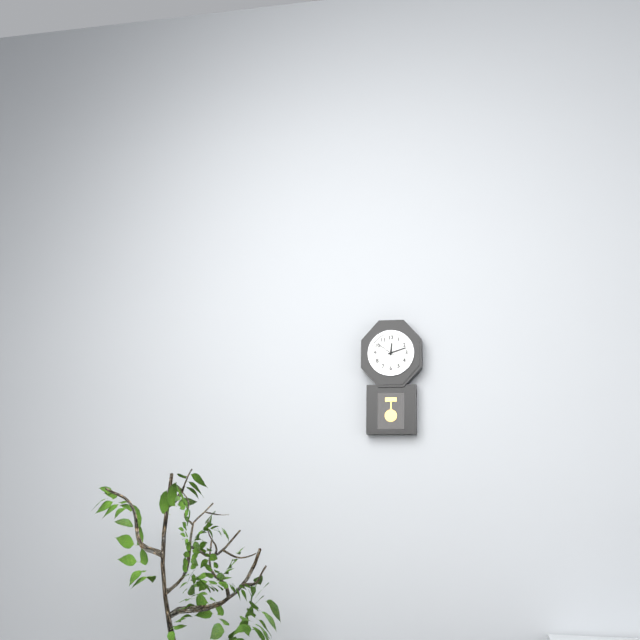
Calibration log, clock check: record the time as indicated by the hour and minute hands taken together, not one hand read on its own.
12:12
